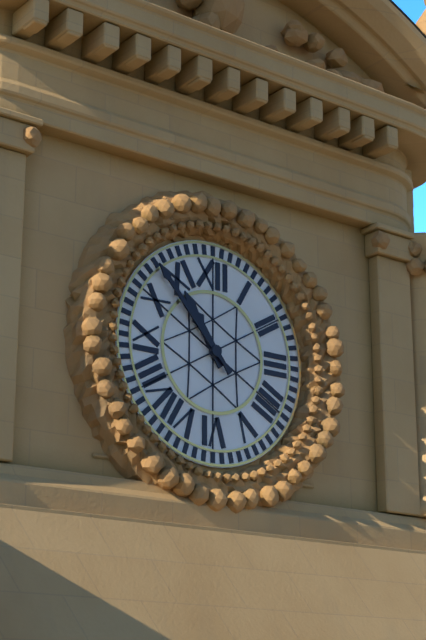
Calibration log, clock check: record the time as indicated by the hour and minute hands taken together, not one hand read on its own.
10:53
